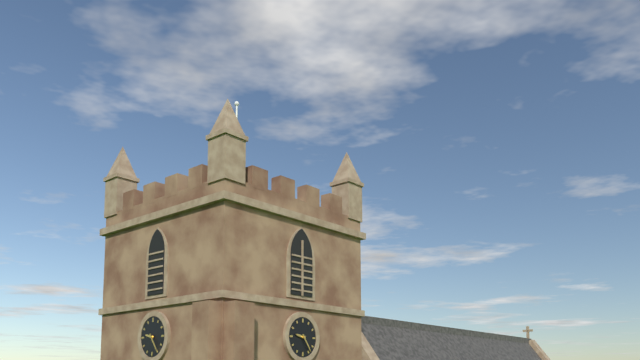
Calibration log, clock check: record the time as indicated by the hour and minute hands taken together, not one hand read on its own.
9:24
